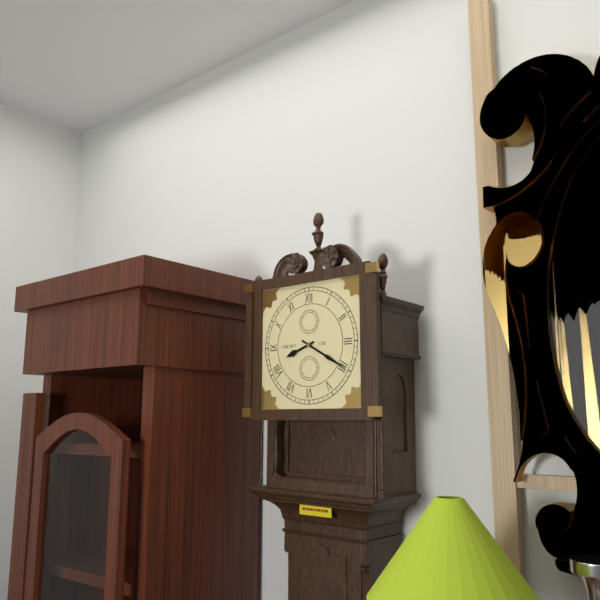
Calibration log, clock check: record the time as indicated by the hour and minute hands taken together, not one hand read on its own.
8:20
